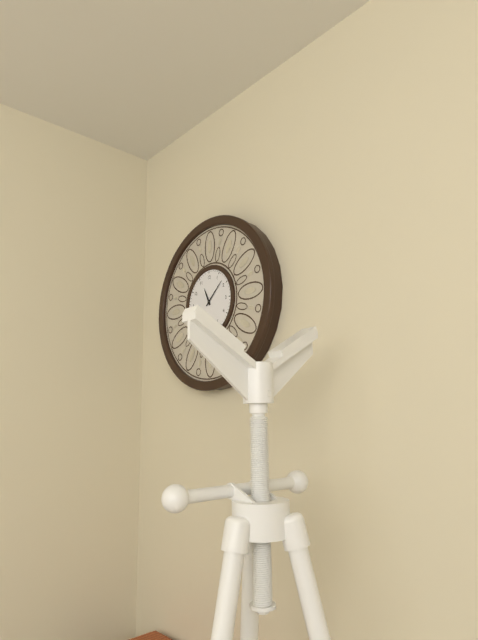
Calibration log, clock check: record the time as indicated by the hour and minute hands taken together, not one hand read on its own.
11:08
